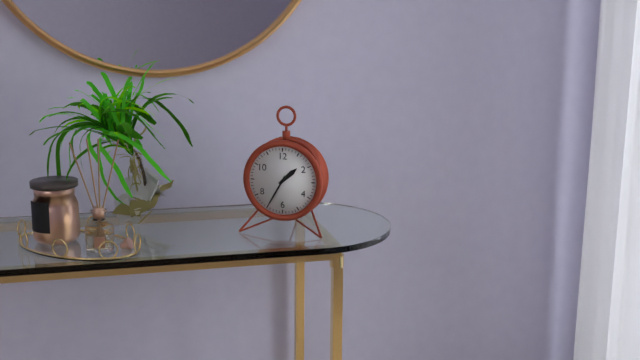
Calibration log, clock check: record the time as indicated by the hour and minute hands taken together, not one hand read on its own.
1:35
